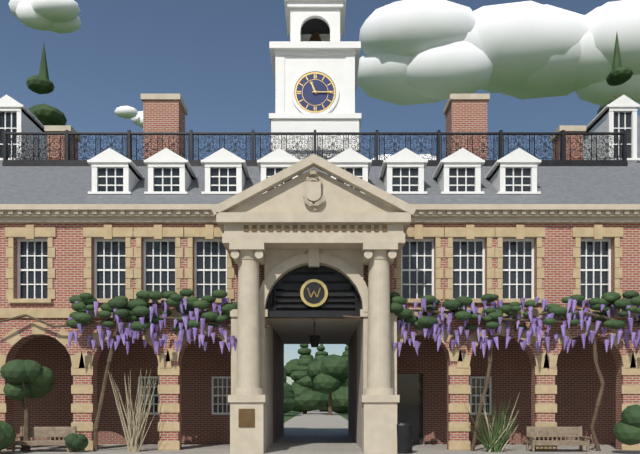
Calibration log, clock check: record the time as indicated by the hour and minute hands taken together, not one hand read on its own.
11:15
